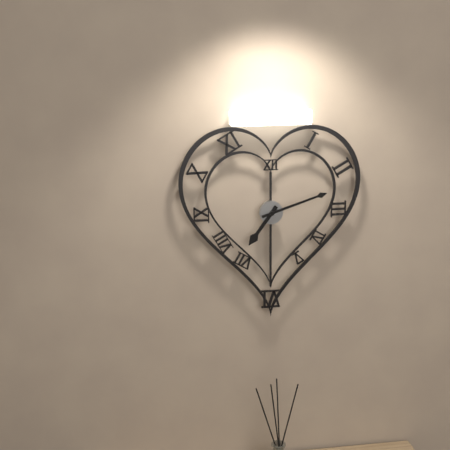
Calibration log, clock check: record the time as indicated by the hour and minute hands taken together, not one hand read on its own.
7:12
